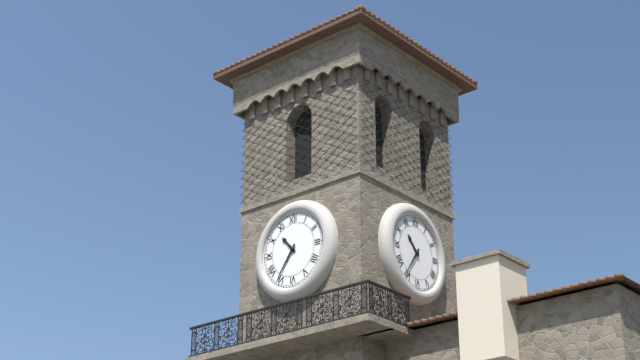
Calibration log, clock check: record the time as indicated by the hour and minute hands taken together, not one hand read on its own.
10:36
